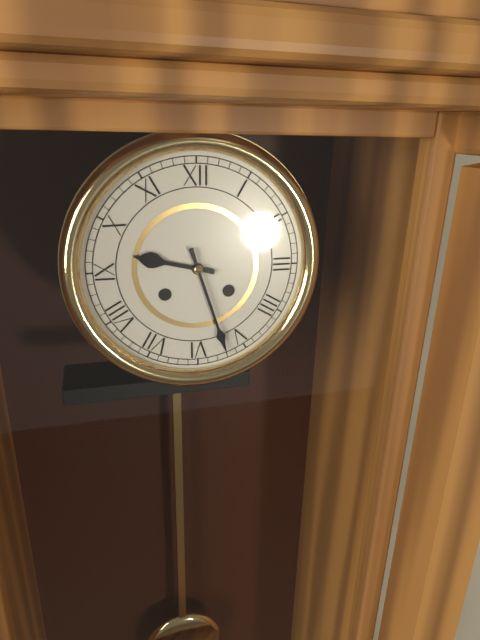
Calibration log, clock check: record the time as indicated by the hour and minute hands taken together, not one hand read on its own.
9:27
